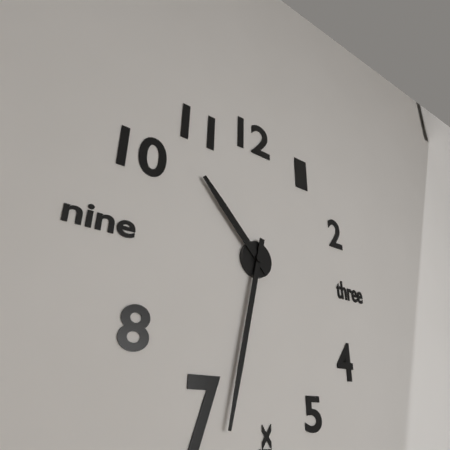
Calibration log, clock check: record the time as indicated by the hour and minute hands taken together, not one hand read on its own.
10:32
